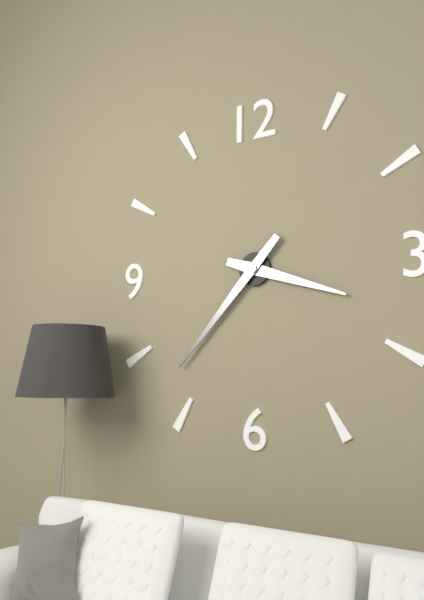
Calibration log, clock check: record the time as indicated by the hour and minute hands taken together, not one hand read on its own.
3:37
